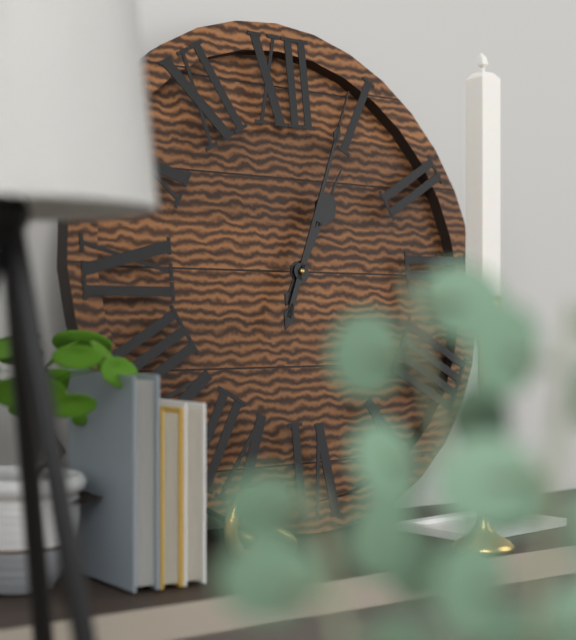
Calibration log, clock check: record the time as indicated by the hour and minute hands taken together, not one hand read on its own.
1:04
